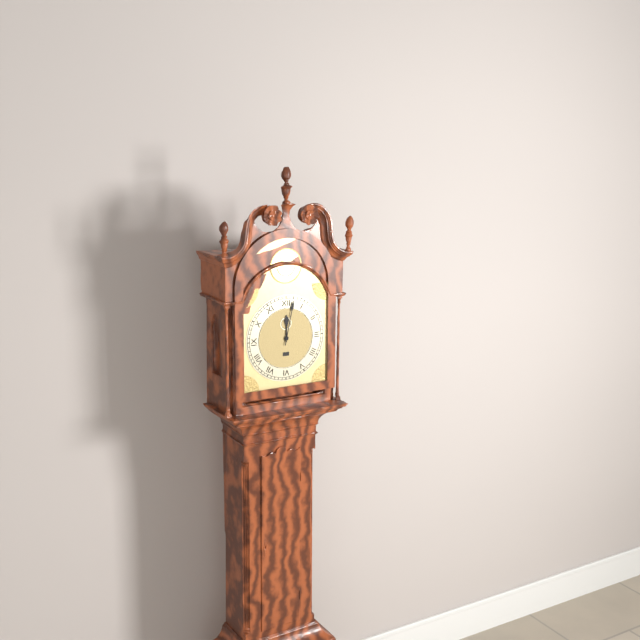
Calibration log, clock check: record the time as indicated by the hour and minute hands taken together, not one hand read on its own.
12:02
